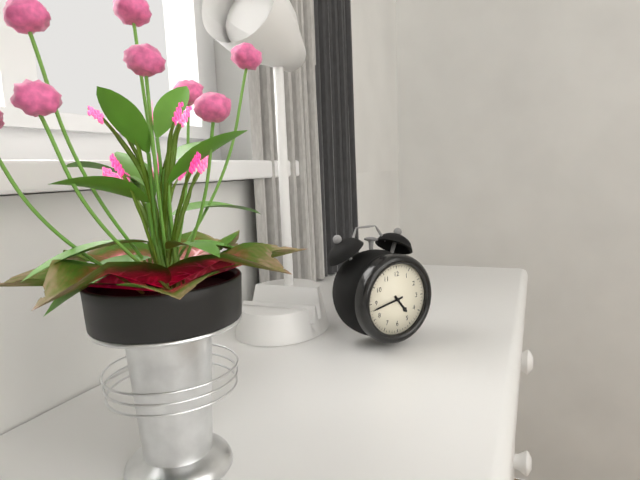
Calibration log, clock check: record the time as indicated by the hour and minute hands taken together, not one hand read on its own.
4:43
